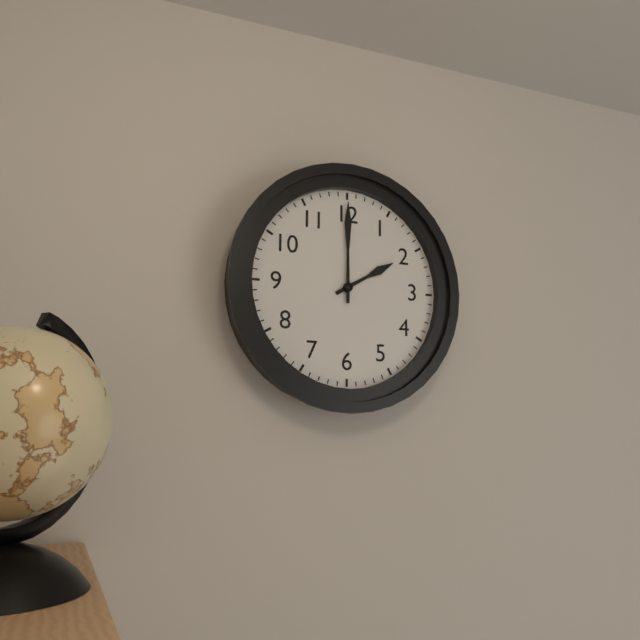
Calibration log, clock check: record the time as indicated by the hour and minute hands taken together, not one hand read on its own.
2:00
